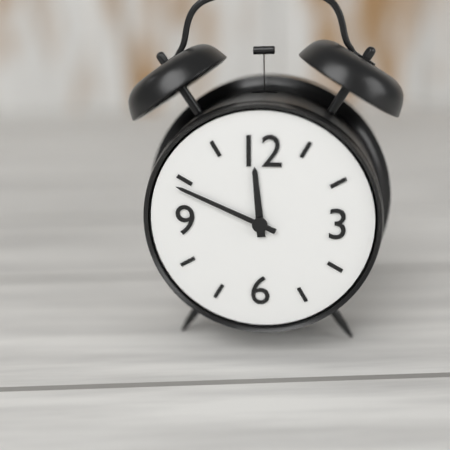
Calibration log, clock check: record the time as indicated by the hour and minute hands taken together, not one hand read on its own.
11:49
